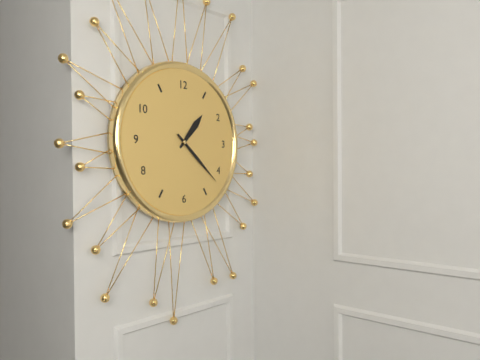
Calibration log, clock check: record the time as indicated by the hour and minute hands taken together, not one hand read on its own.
1:22
